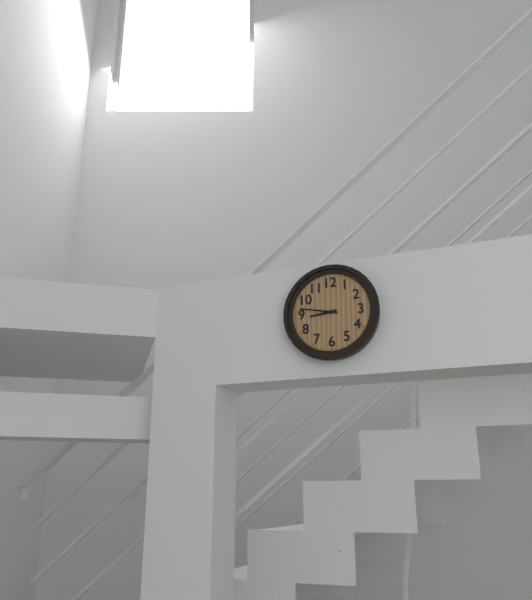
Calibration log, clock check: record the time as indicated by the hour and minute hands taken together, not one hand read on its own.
8:47
